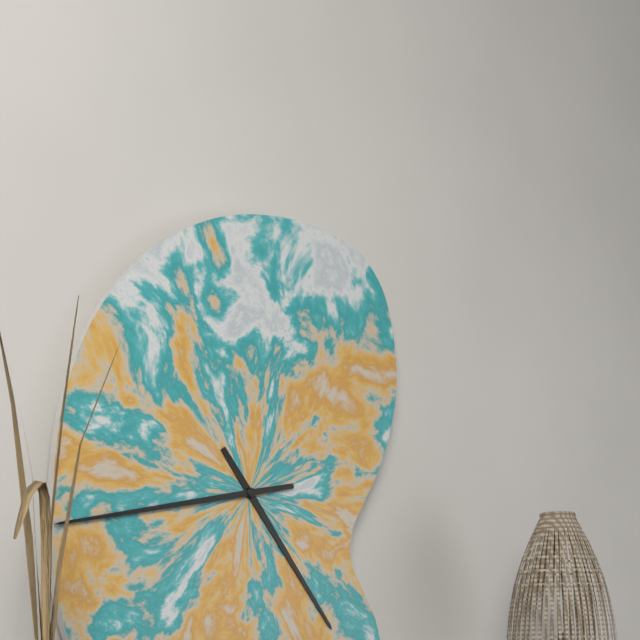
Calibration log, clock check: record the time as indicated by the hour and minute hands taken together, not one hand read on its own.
4:43
